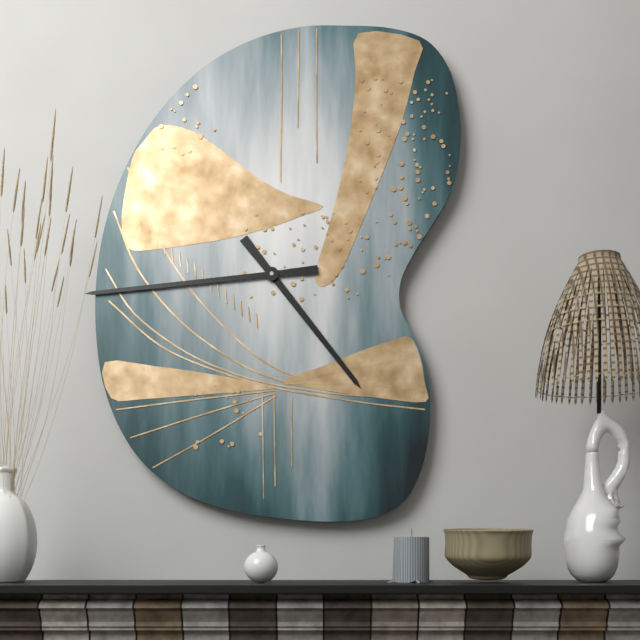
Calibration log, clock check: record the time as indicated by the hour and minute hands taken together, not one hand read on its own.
4:44
